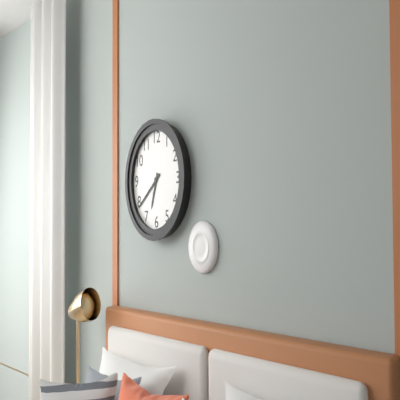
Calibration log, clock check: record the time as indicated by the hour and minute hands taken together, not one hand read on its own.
6:39
